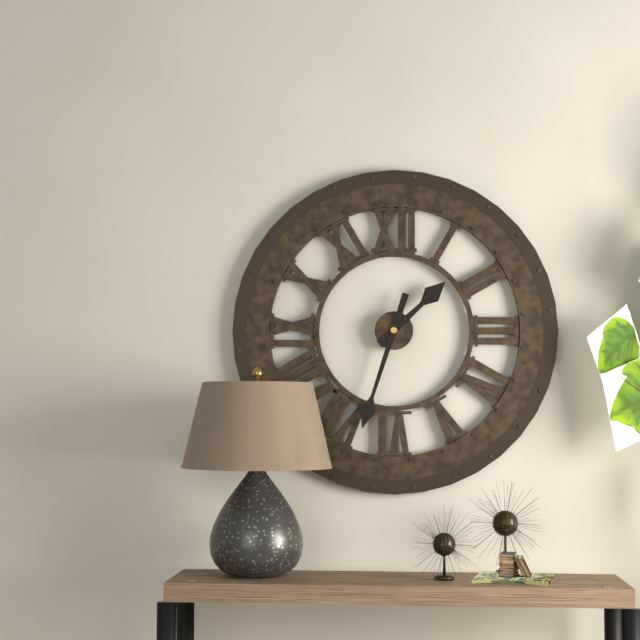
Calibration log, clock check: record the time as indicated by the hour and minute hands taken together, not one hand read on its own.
1:33
